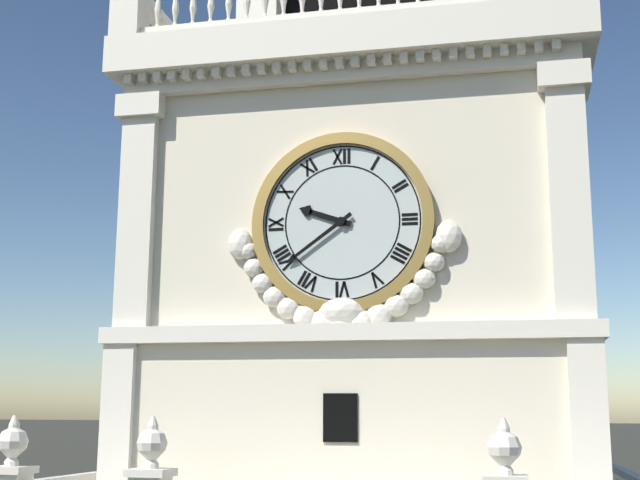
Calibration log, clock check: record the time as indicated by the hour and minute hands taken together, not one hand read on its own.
9:39
